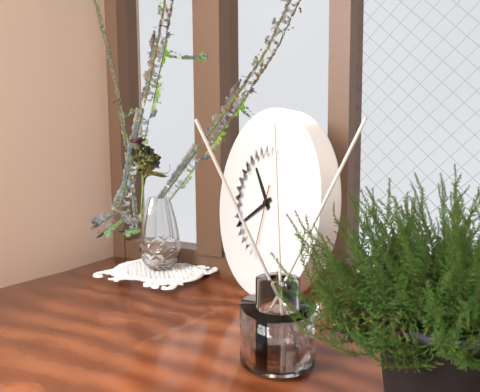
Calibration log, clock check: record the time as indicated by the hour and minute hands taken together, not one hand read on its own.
10:40
